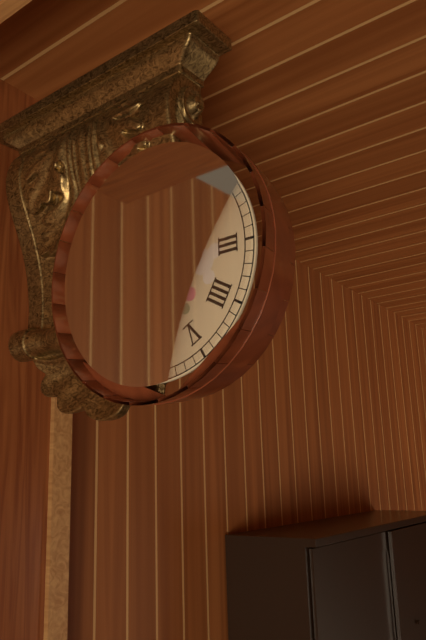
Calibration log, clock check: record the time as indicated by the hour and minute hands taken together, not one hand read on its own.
7:02
